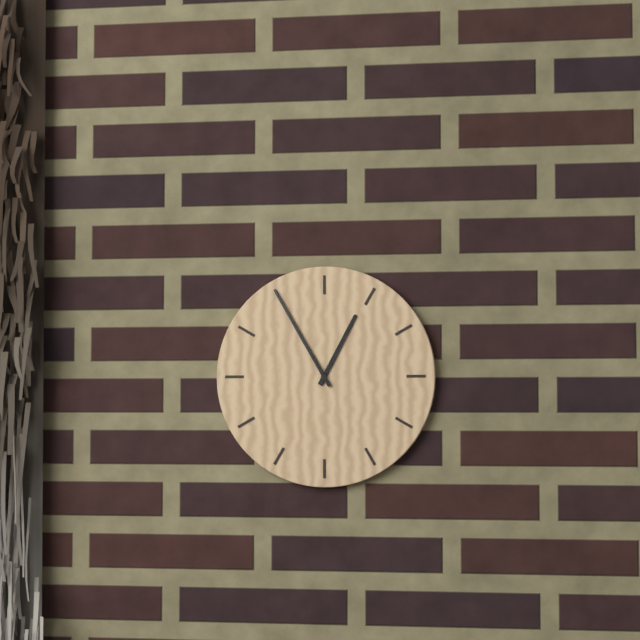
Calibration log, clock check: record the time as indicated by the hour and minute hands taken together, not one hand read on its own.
12:55
